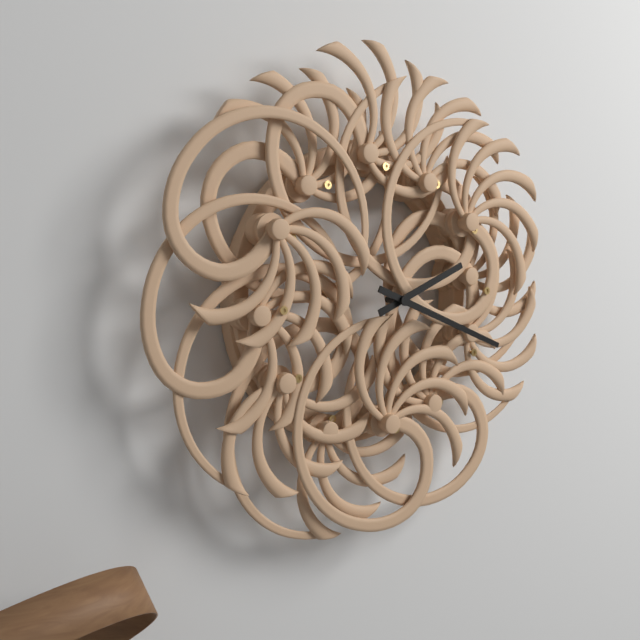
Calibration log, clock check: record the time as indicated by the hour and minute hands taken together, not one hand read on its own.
2:19
